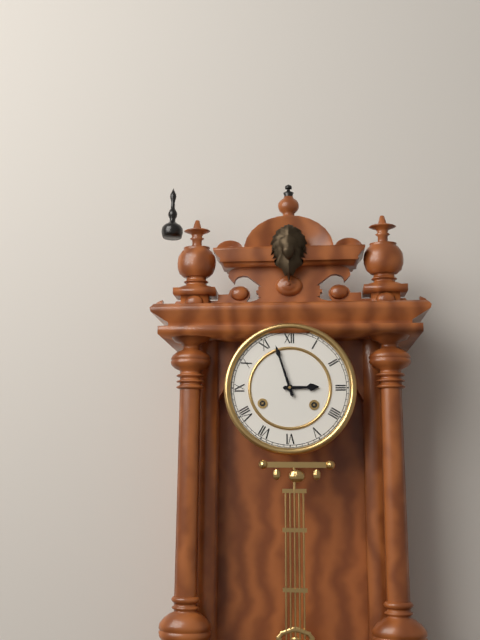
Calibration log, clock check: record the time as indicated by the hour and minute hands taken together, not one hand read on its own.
2:57
